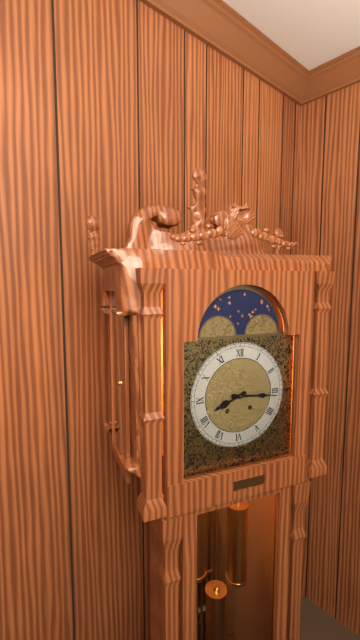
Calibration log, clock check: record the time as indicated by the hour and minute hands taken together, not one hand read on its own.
8:16
